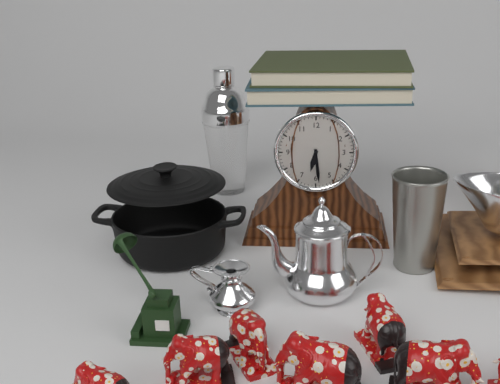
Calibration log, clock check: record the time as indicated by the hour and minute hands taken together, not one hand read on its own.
6:29
